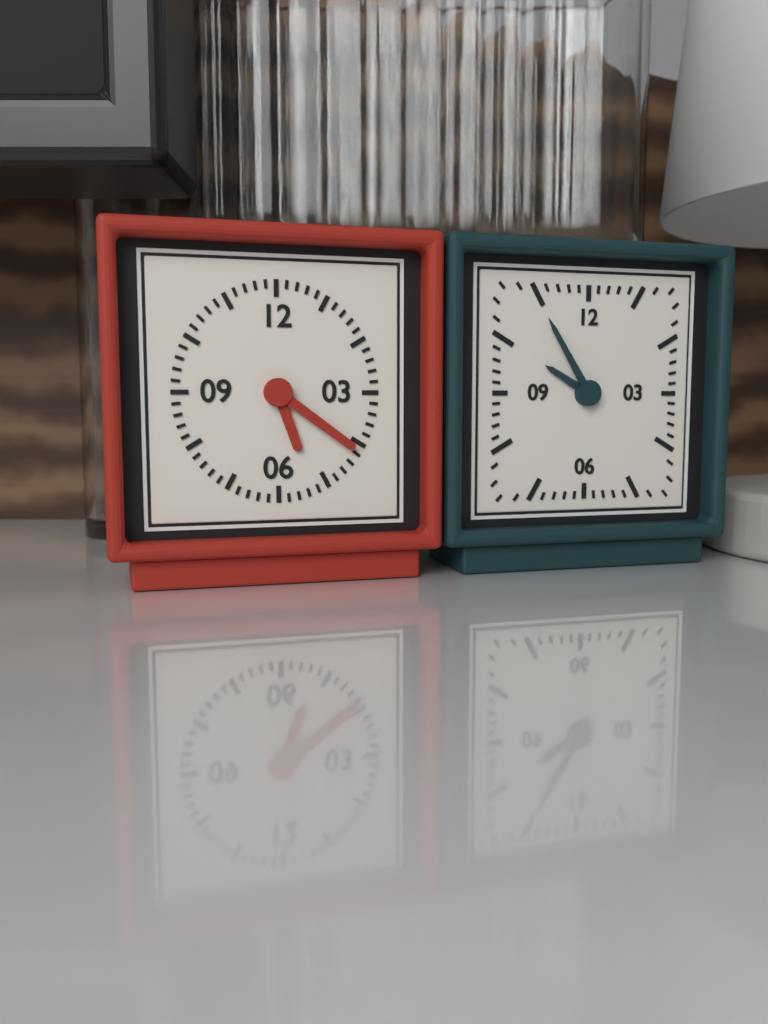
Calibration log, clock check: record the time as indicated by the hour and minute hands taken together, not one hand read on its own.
5:21
